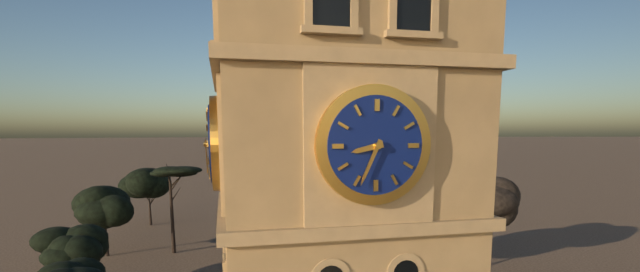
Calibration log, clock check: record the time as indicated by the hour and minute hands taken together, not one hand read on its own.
8:34
